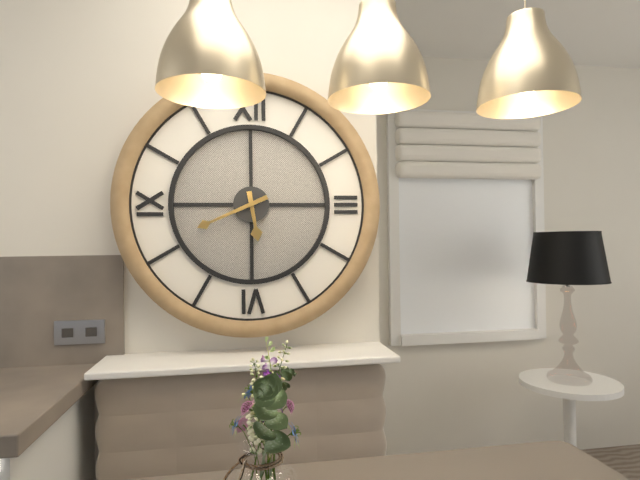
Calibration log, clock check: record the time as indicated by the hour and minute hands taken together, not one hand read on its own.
5:41
